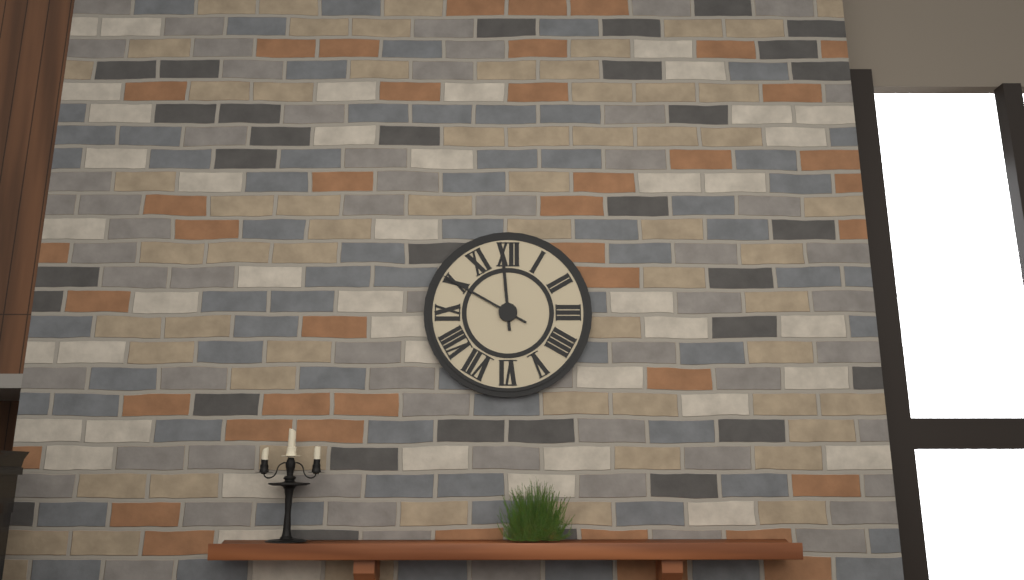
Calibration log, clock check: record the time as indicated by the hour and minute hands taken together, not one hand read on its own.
11:50
